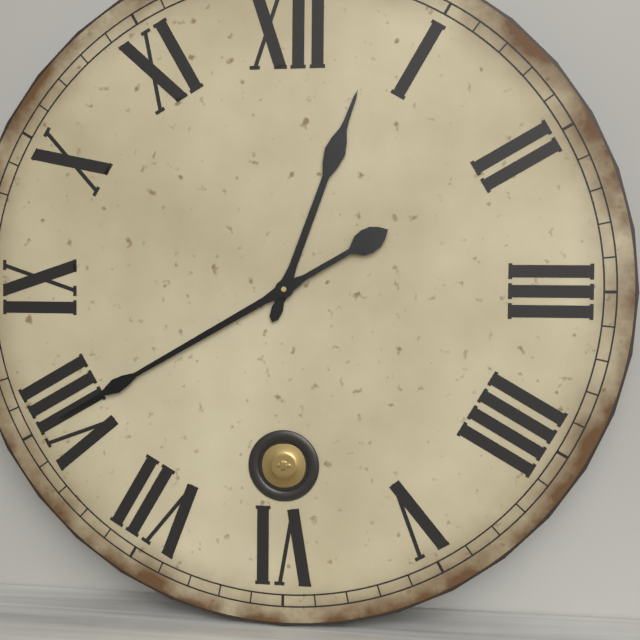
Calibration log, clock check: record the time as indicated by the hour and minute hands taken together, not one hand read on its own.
12:40
